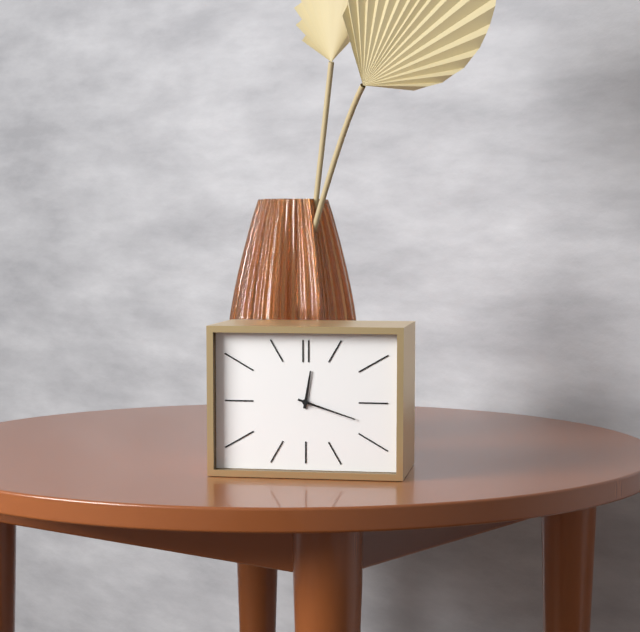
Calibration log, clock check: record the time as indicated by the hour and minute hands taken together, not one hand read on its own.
12:18
